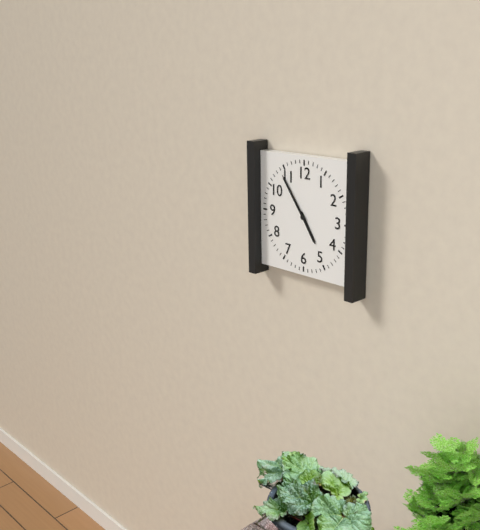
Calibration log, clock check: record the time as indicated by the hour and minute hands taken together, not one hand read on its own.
4:54
